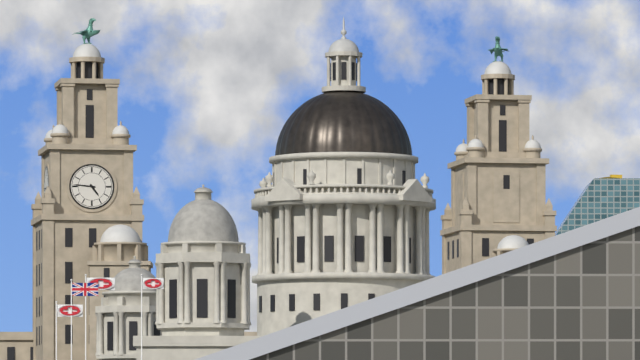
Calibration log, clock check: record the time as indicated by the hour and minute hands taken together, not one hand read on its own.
4:46
